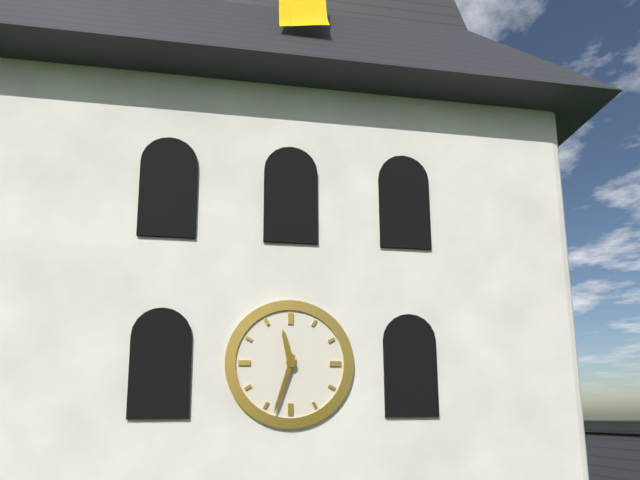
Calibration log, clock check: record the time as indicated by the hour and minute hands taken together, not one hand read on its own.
11:33
